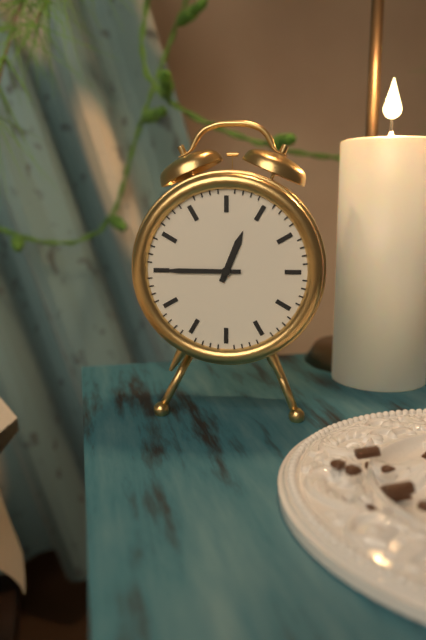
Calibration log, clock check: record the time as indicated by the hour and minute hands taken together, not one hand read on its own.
12:45
